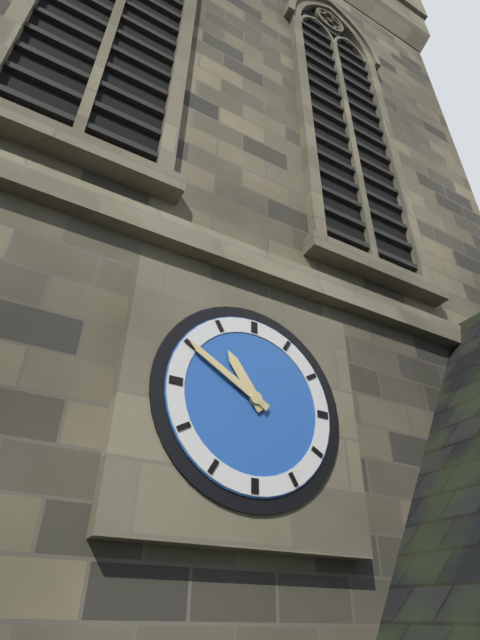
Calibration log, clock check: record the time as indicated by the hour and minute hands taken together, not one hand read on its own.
10:50
